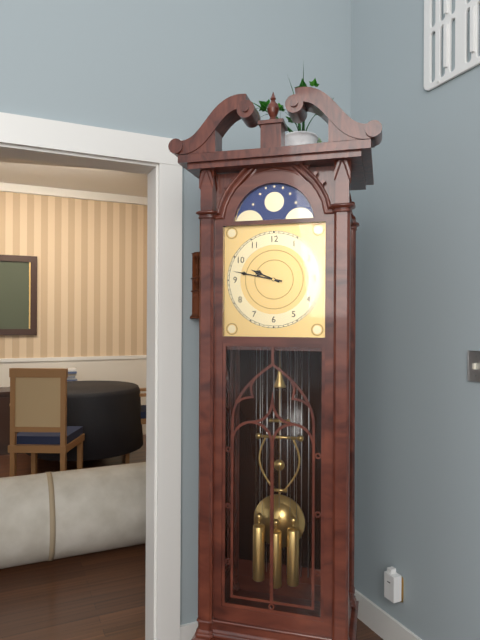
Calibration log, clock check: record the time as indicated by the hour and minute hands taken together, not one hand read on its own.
9:47
